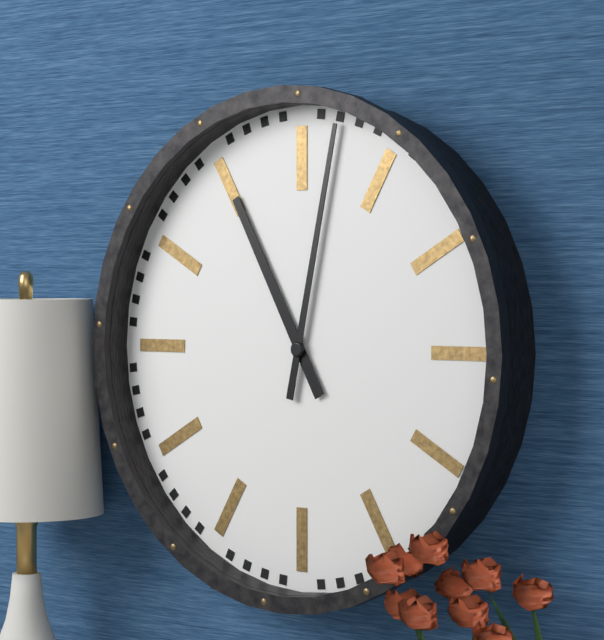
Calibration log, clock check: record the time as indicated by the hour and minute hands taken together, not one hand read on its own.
11:02
